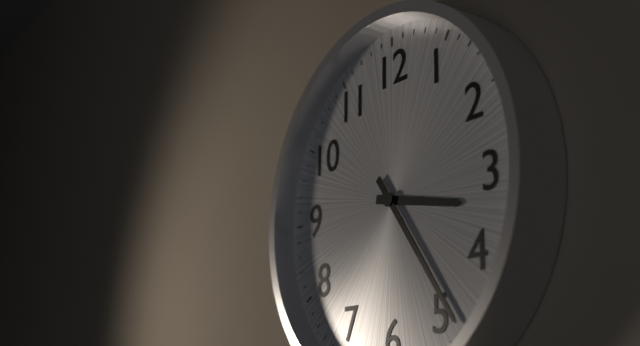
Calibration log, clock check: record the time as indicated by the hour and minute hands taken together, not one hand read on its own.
3:24
